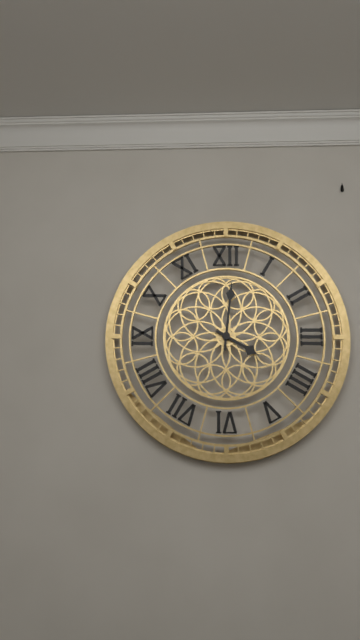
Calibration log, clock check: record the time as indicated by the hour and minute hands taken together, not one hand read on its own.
4:01
